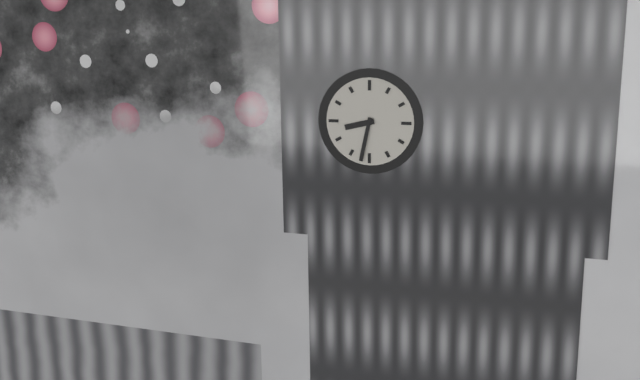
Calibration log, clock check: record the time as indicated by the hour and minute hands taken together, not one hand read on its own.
8:32
